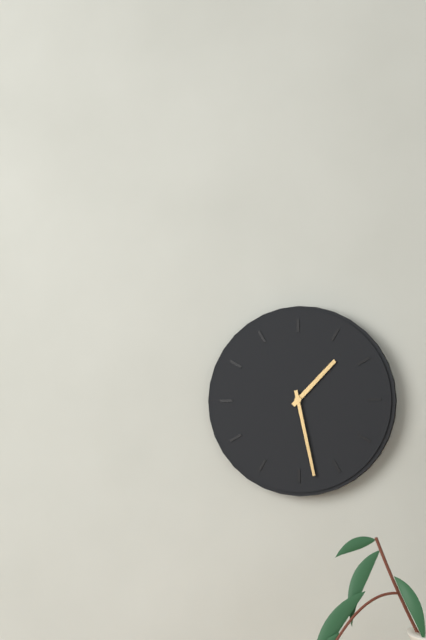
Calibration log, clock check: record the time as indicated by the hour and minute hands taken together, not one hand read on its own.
1:28
